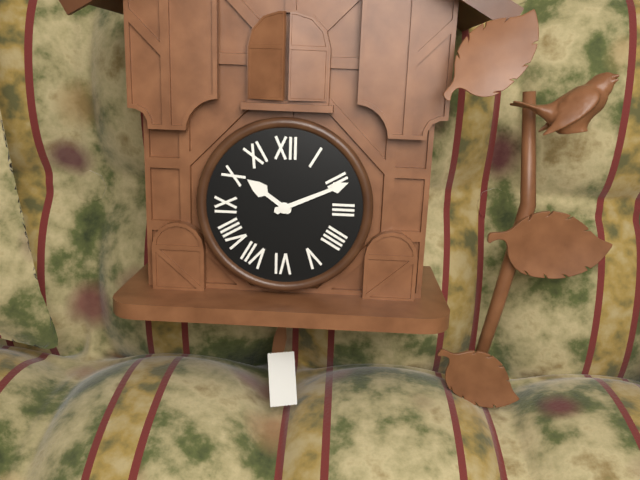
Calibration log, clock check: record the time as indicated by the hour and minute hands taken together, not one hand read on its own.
10:11
